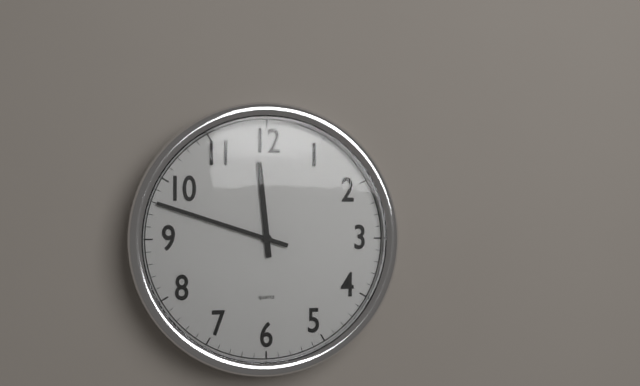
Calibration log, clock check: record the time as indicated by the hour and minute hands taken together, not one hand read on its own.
11:48
